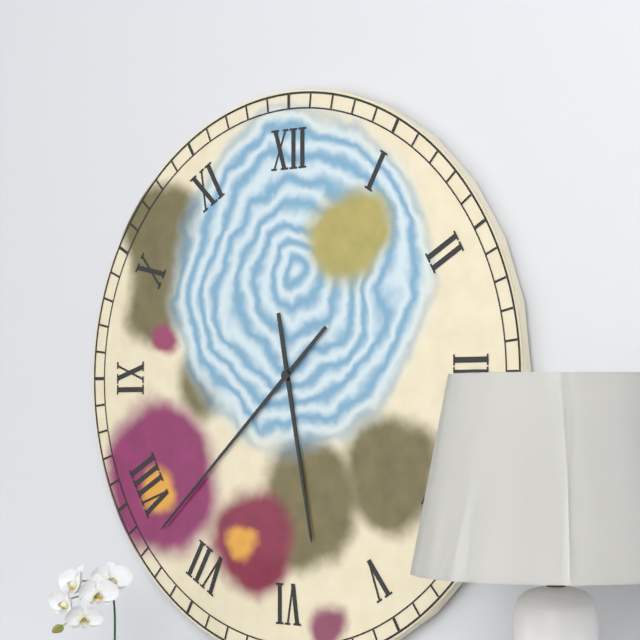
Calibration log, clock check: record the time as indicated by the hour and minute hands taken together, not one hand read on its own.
5:38
